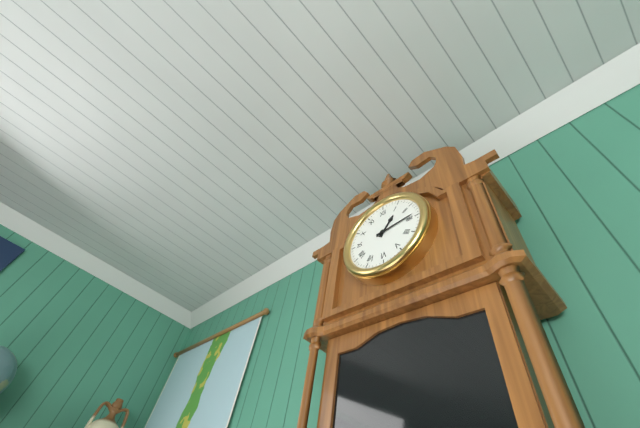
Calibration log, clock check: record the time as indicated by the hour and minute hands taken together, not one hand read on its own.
1:14
